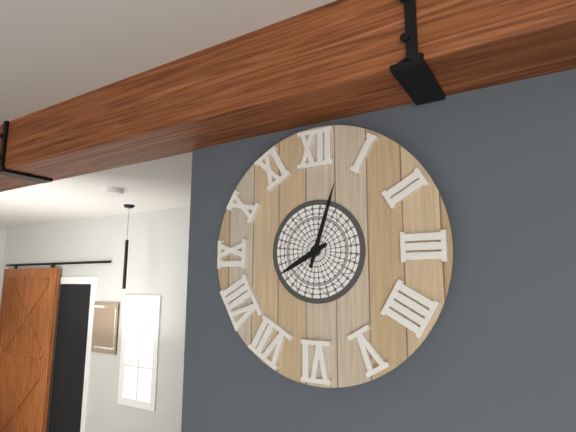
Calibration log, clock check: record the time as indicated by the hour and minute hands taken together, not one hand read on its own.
8:03
